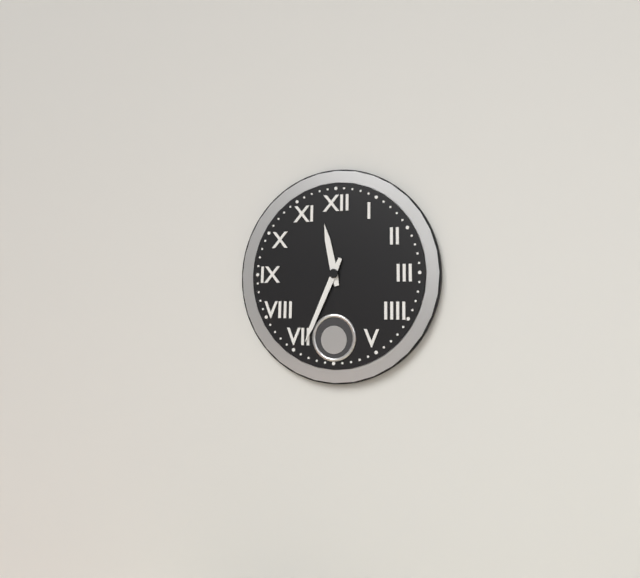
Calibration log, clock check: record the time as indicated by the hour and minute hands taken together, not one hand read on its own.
11:34
